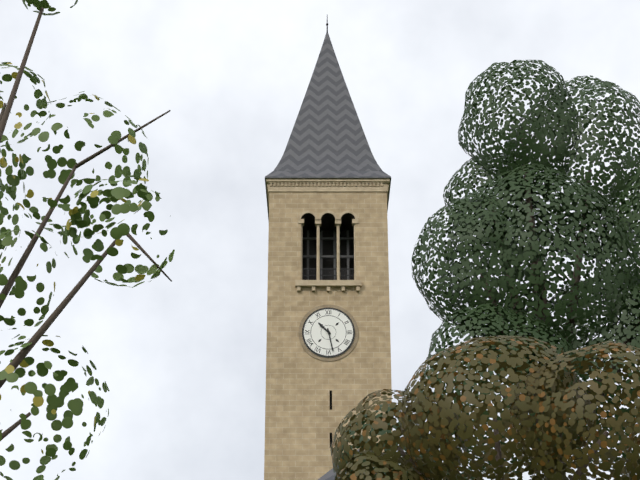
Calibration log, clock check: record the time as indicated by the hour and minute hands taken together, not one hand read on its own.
10:28
